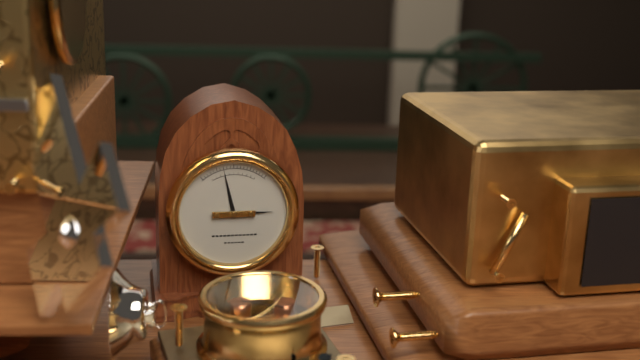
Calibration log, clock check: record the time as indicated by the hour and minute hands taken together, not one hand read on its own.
2:58
